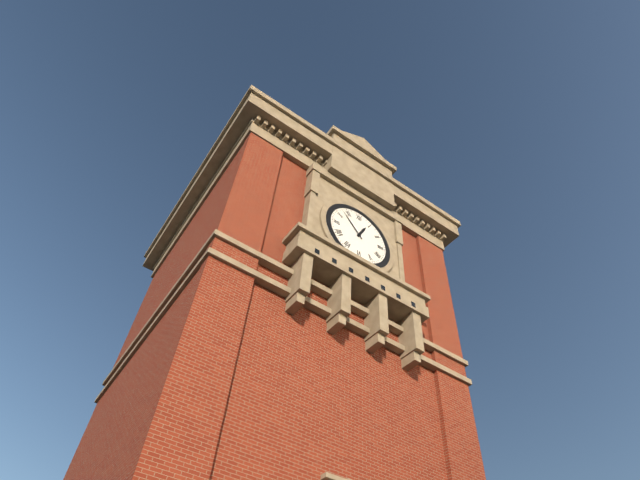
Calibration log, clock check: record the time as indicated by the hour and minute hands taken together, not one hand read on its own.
12:53
